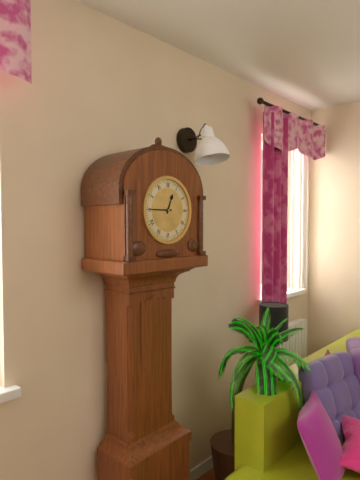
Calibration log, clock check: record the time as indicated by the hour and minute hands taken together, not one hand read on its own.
12:45
